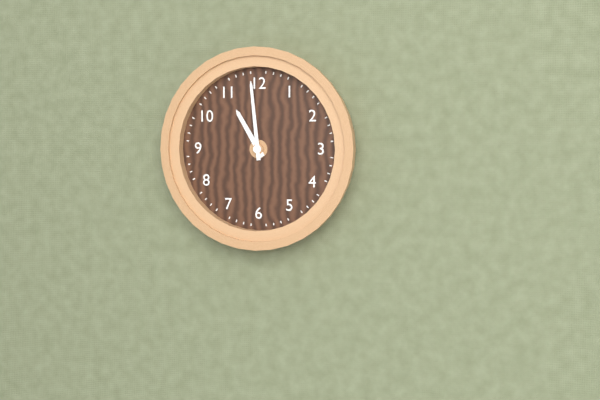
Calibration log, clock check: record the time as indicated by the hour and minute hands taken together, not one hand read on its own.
10:59
